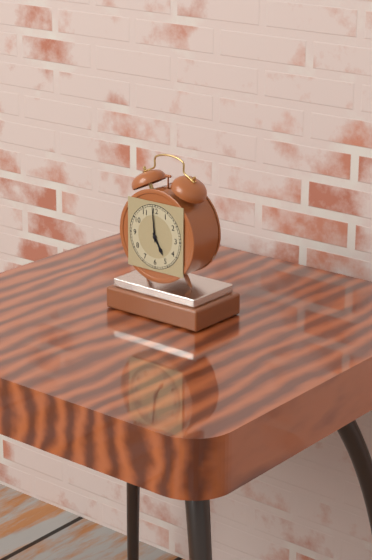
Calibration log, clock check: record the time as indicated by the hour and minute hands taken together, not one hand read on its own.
4:59
